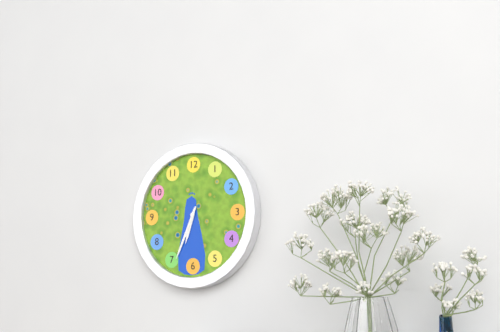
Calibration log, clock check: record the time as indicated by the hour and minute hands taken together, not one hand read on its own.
6:34
